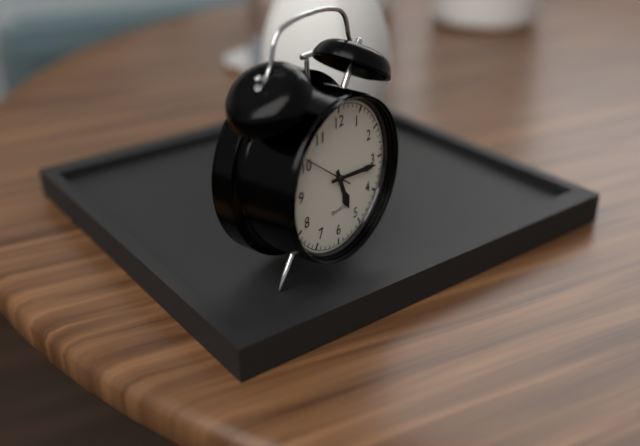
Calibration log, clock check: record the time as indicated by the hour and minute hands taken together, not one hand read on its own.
5:16
